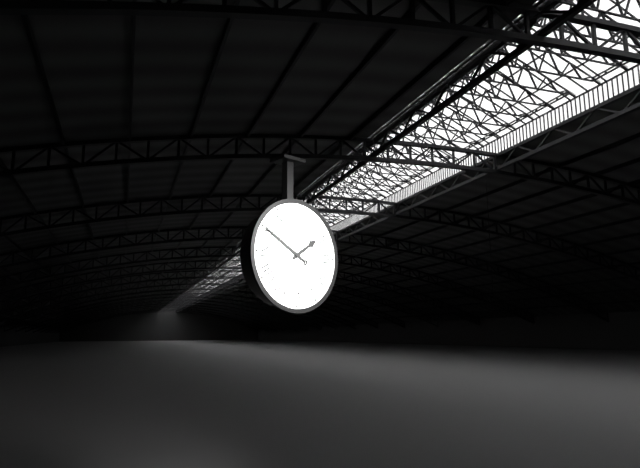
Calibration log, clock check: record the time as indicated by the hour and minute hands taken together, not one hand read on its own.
1:50
